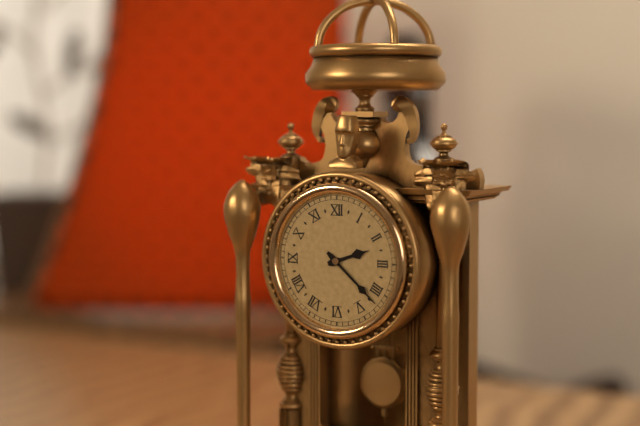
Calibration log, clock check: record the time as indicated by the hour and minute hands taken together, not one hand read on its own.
2:22
